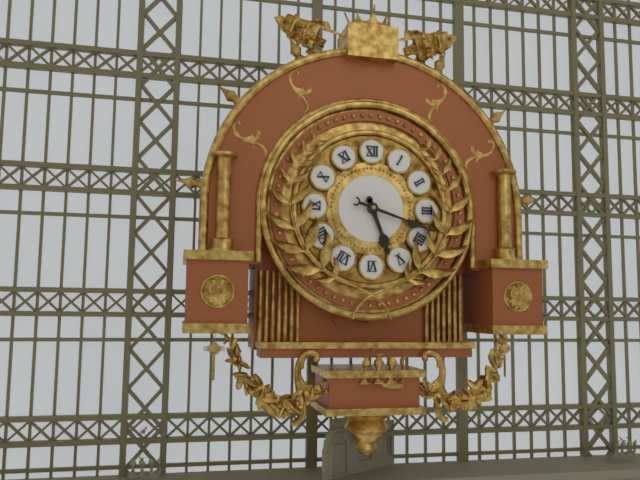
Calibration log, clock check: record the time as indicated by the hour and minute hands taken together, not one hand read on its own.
5:18
